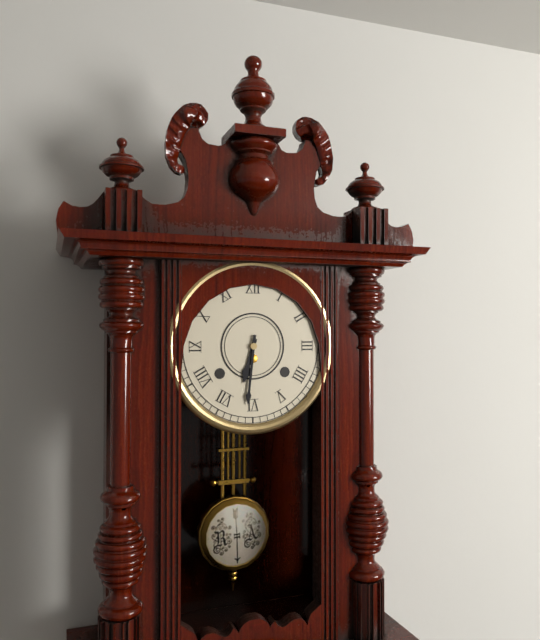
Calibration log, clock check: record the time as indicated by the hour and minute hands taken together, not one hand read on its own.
6:31
